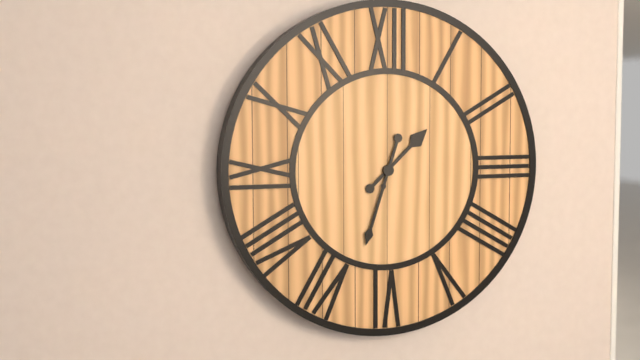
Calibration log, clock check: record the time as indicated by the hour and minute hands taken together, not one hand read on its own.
1:33
